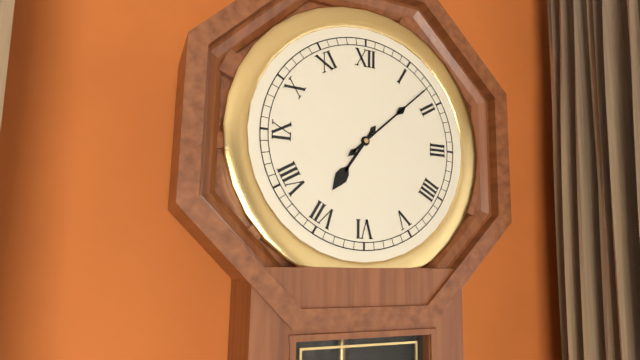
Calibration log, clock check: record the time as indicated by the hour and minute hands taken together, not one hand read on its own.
7:08
